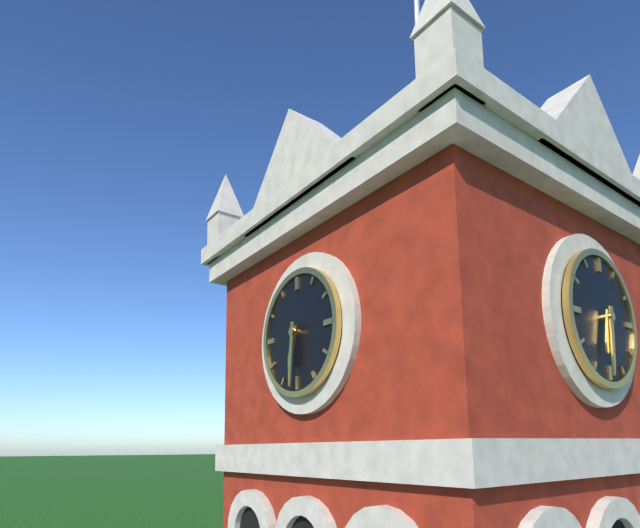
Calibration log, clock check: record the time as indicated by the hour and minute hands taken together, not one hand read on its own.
6:31
